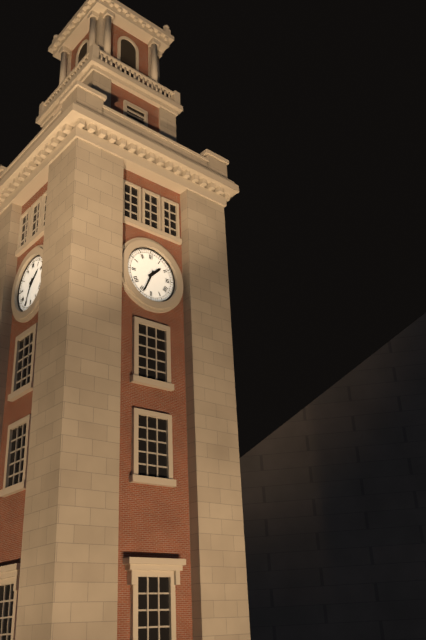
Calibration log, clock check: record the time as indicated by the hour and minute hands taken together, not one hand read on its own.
1:34
